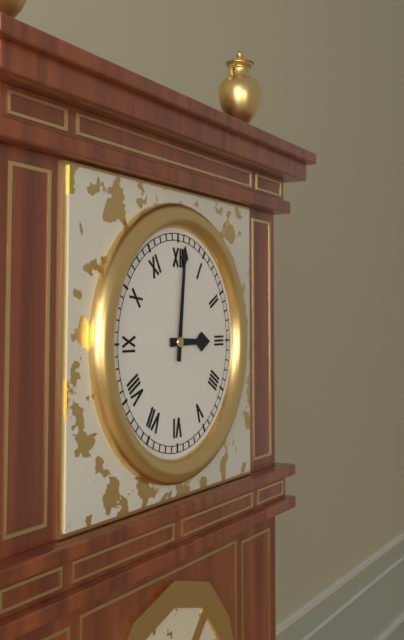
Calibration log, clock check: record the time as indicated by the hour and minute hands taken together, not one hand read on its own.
3:01
